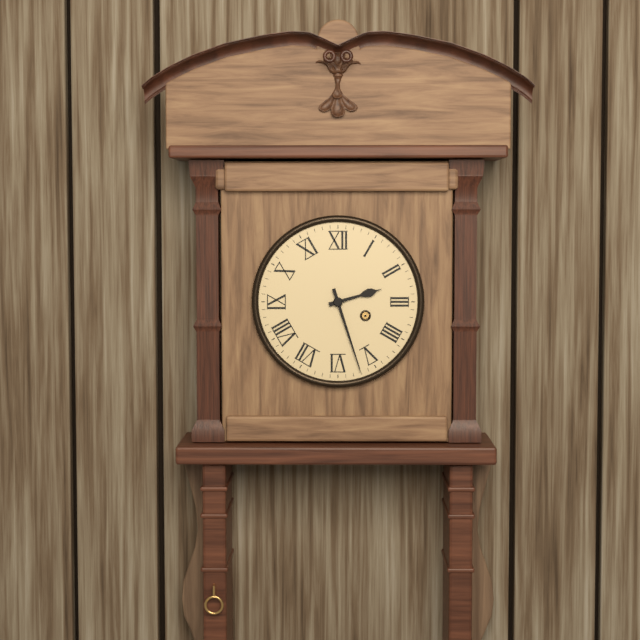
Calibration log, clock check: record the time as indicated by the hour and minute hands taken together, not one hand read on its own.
2:27
